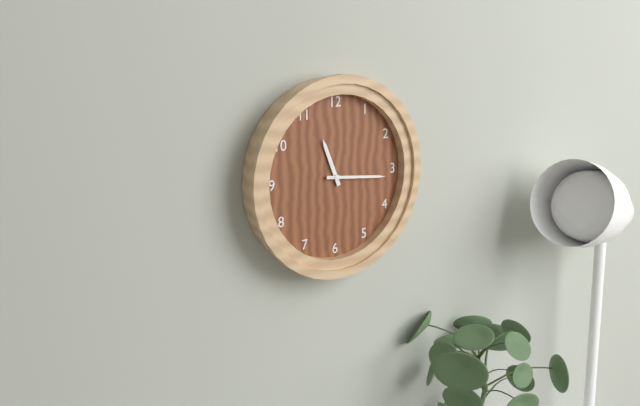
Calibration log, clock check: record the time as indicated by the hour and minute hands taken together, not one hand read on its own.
11:16
